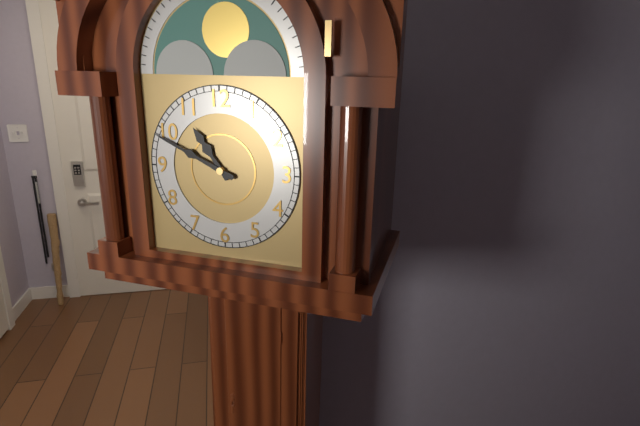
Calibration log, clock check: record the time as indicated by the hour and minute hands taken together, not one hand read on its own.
10:49
